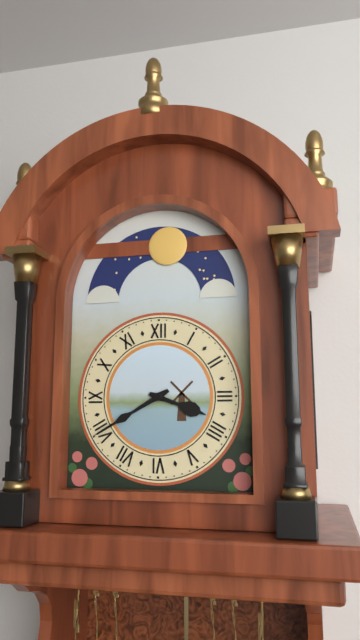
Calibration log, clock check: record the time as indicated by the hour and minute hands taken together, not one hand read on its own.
3:40
